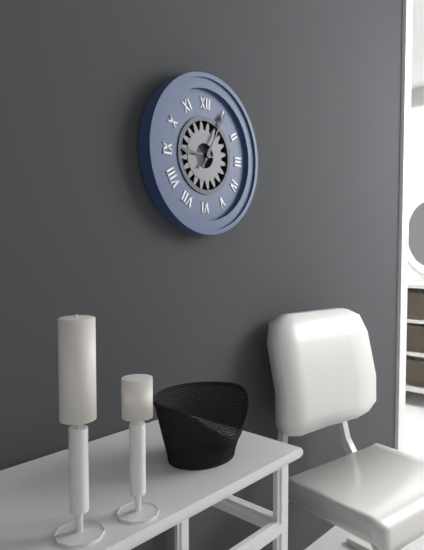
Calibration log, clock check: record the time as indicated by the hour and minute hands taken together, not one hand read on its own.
9:05
